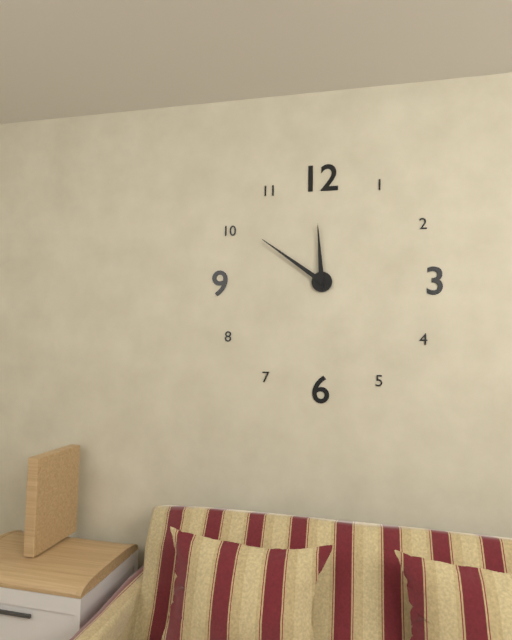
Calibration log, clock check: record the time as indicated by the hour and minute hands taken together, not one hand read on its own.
11:51
